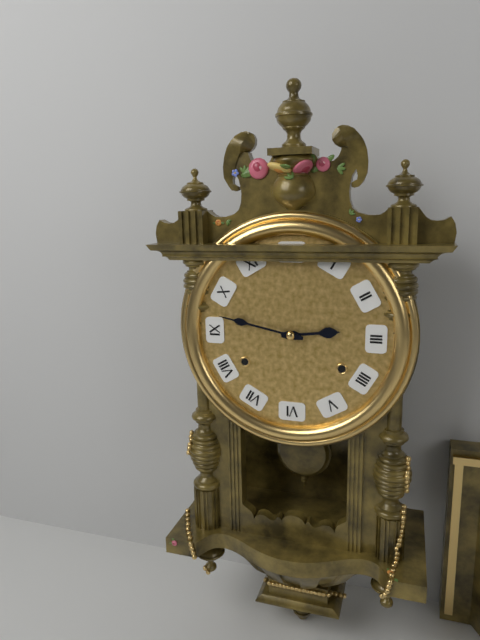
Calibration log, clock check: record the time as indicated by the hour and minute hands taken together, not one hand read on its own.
2:47
